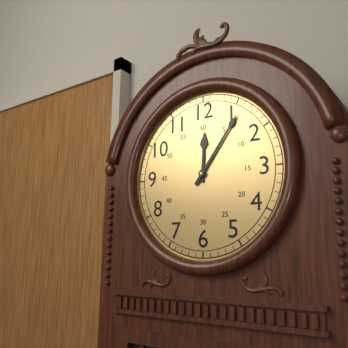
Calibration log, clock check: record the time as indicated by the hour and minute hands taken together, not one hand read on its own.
12:06
